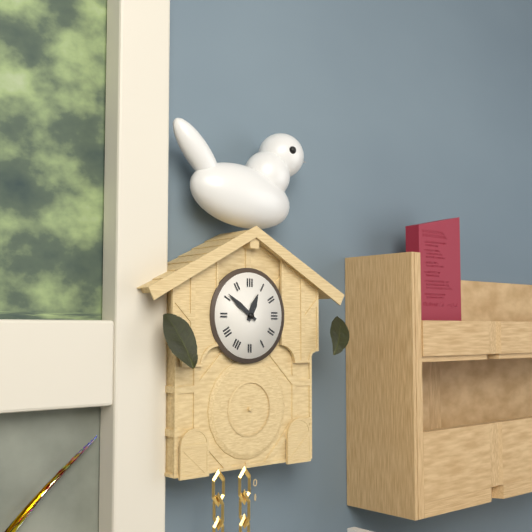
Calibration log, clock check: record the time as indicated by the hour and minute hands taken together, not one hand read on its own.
12:51
